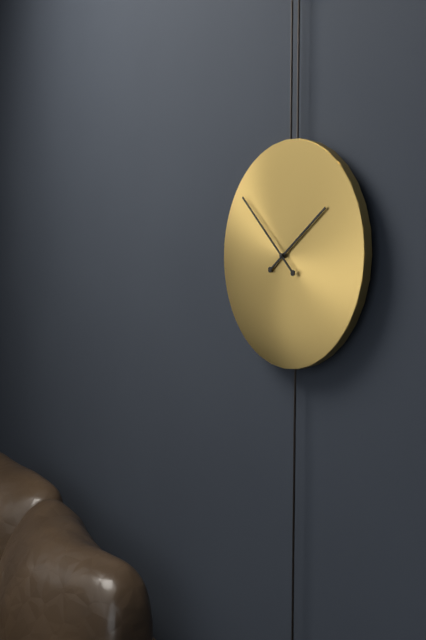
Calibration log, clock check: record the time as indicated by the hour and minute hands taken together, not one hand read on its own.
1:52
